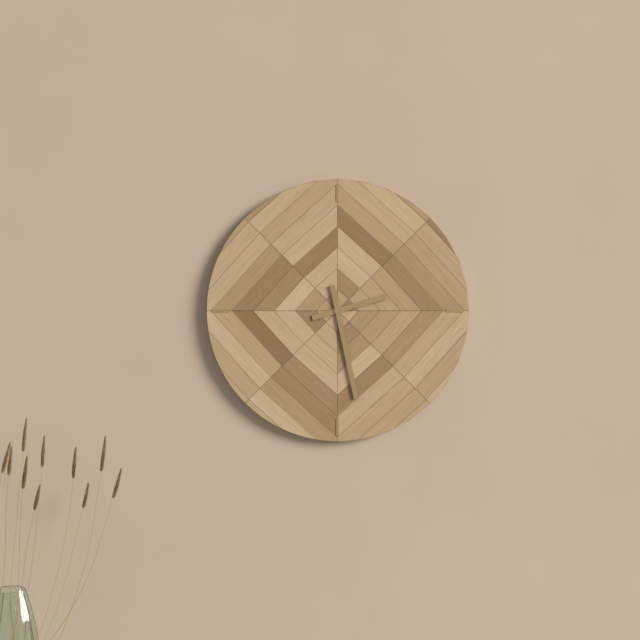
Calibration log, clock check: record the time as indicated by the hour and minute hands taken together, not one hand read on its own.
2:28
